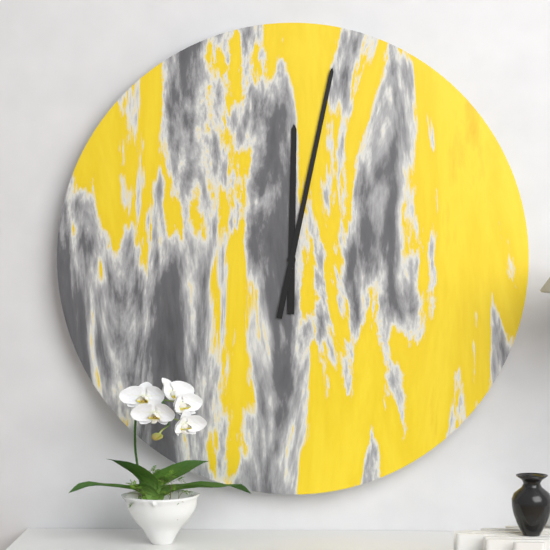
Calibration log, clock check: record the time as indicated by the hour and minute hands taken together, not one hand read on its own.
12:02
